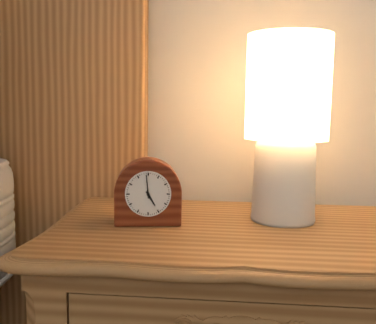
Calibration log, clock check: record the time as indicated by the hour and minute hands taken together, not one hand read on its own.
4:59
